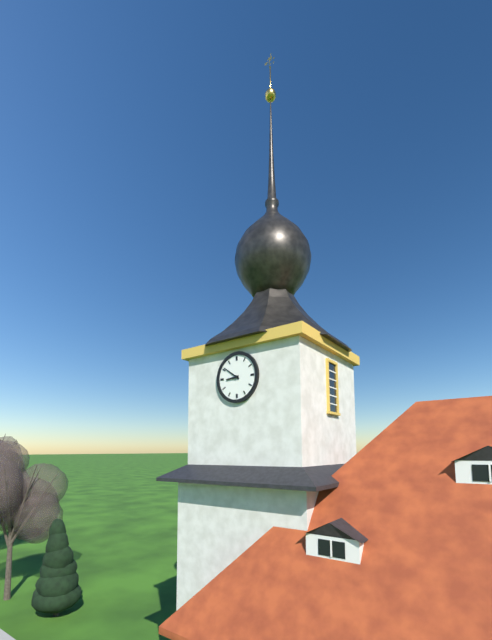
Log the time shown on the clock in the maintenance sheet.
8:51
